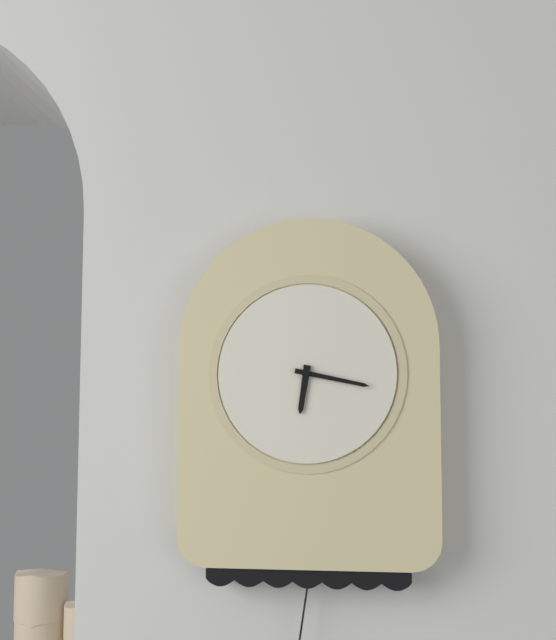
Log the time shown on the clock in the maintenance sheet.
6:17
